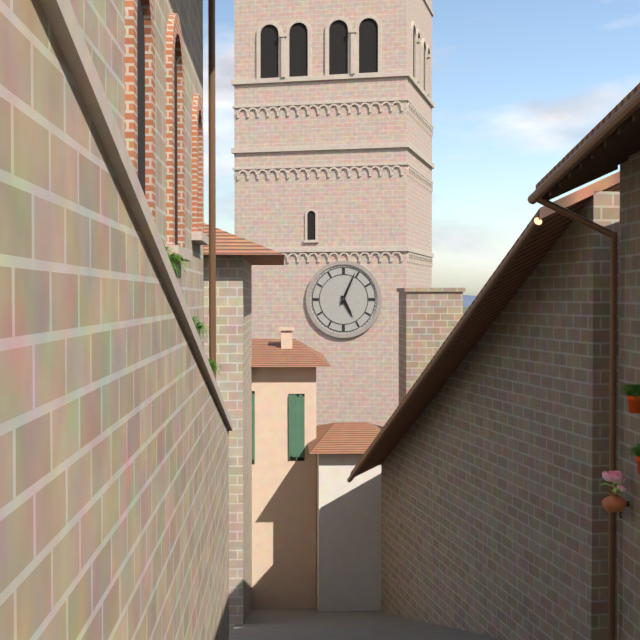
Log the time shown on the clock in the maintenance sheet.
5:04
